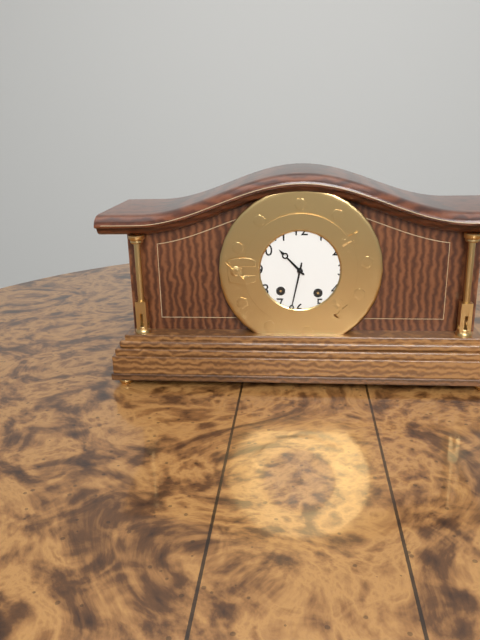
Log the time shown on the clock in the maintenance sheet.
10:32
